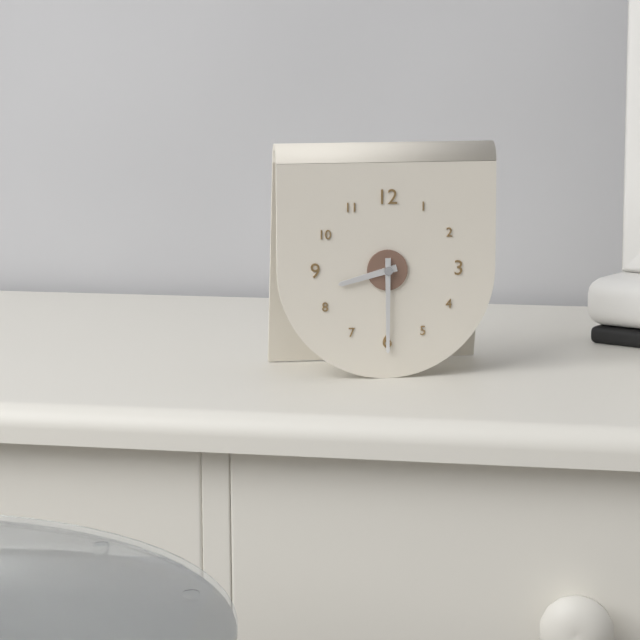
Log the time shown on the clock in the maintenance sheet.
8:30
